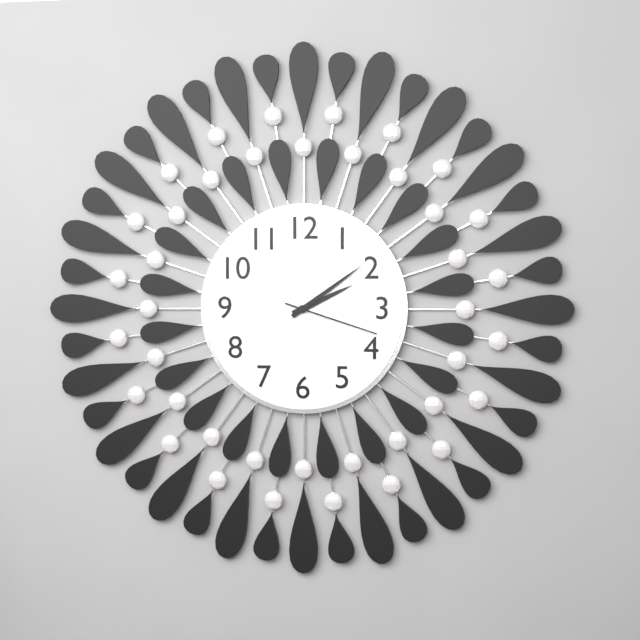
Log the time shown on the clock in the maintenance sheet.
2:09:18
